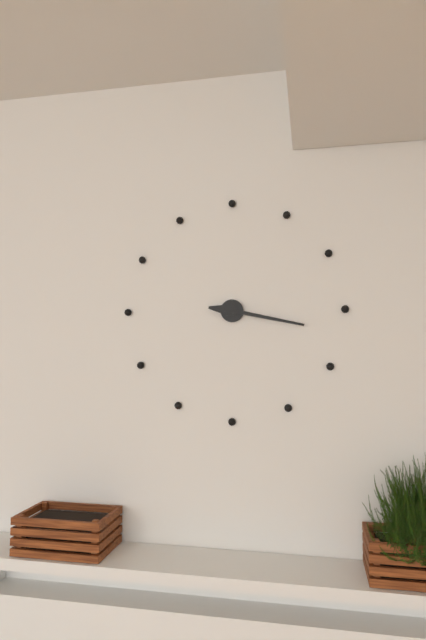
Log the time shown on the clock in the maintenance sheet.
9:17
